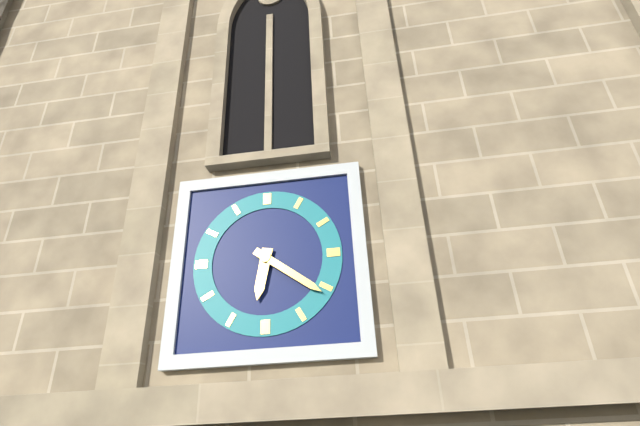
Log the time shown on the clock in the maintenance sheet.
6:21
